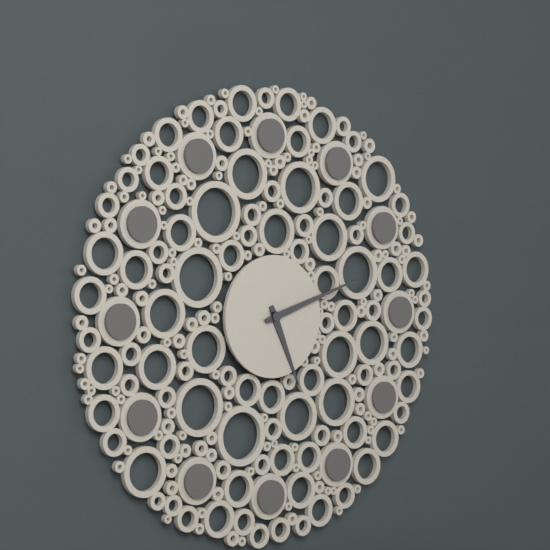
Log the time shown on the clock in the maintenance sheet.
5:12
